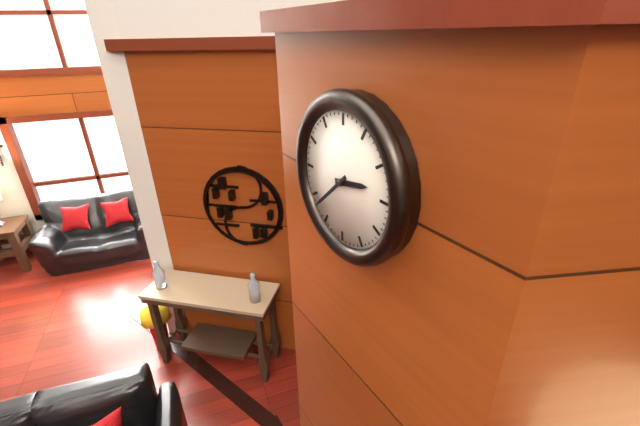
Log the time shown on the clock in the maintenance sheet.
2:38
